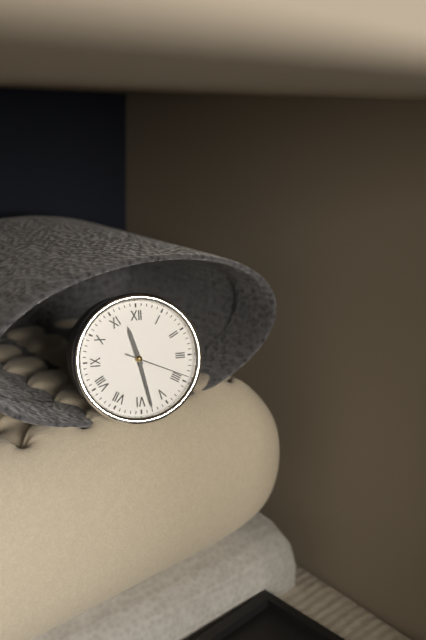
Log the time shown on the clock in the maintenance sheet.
11:28:19
